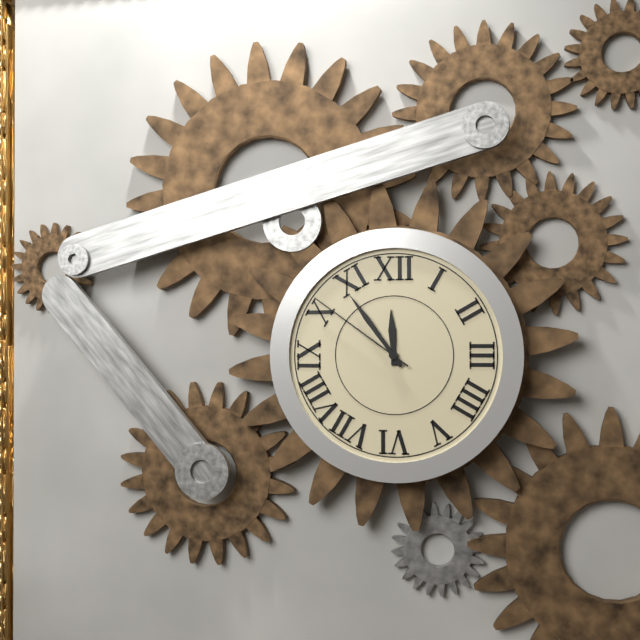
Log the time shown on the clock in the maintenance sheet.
11:54:51
